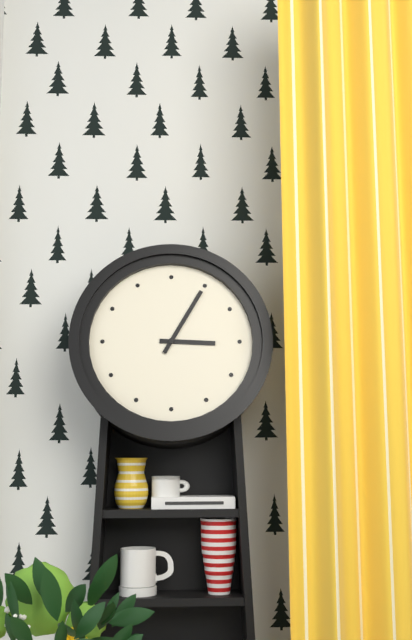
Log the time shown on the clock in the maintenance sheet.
3:05
